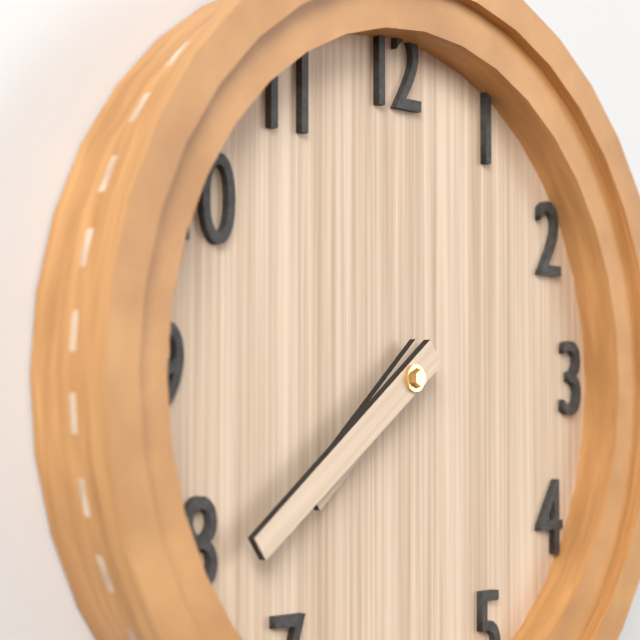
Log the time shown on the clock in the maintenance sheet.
7:39
